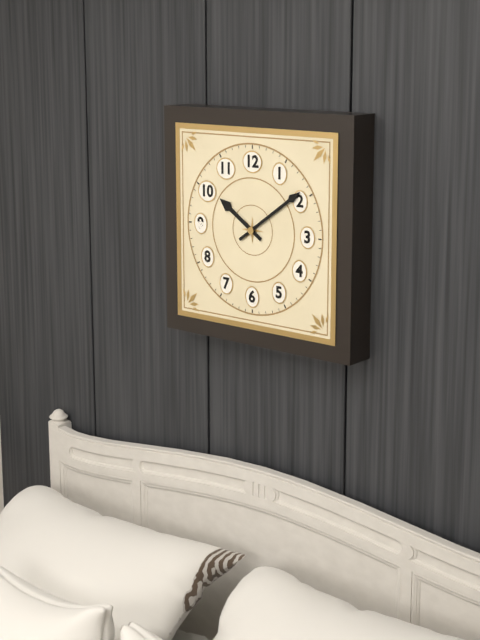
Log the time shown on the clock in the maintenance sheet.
10:09
